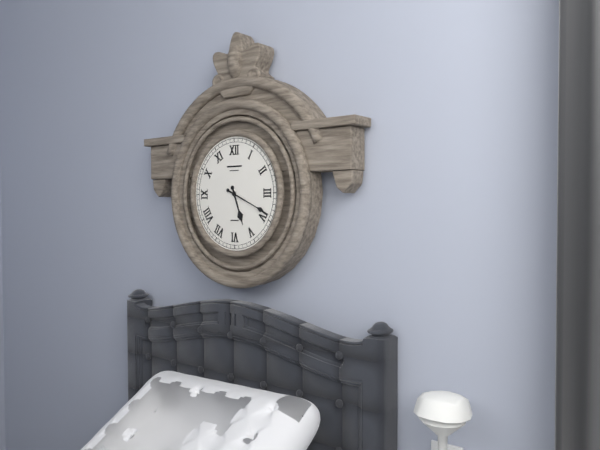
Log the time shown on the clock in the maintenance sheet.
5:19
